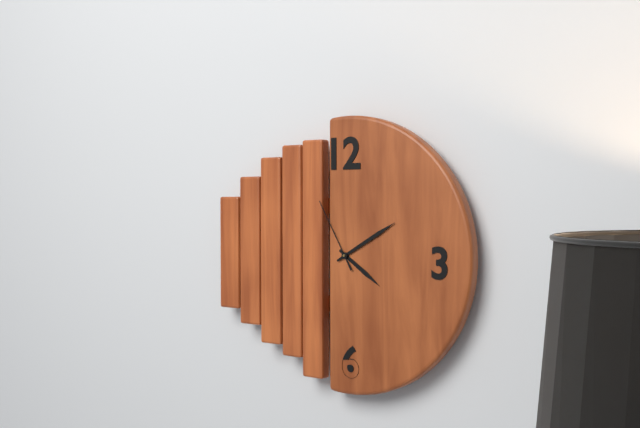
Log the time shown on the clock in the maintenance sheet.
4:10:55
